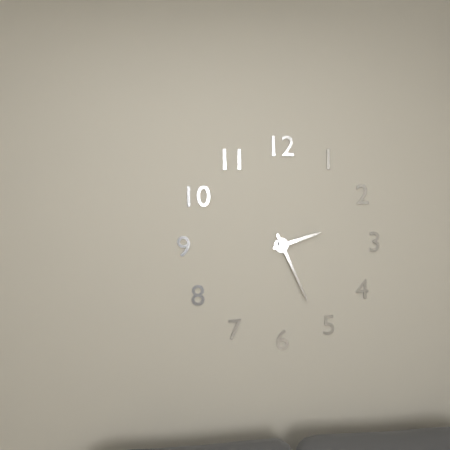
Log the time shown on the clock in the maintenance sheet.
2:26
